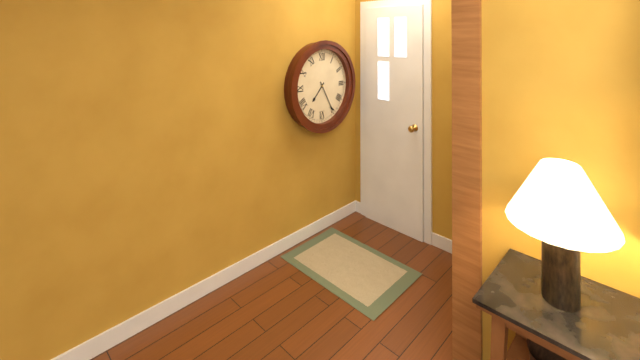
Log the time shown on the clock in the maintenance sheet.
7:25
